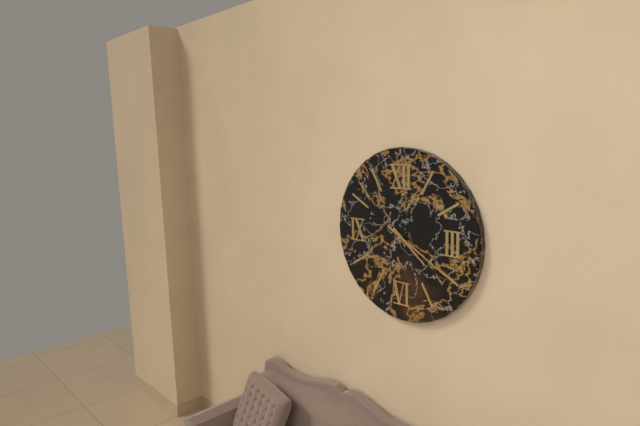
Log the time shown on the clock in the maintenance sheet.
4:20
